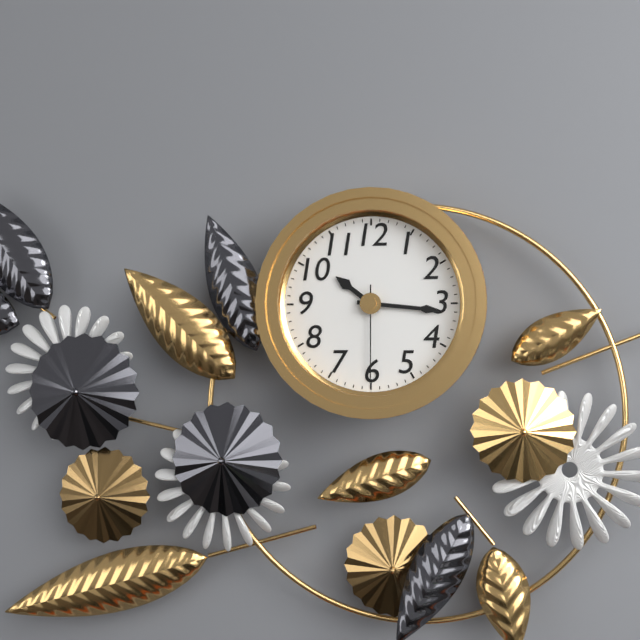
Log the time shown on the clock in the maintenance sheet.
10:16:30
